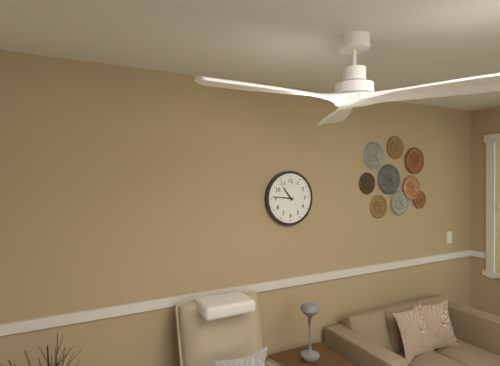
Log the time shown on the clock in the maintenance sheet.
10:46
